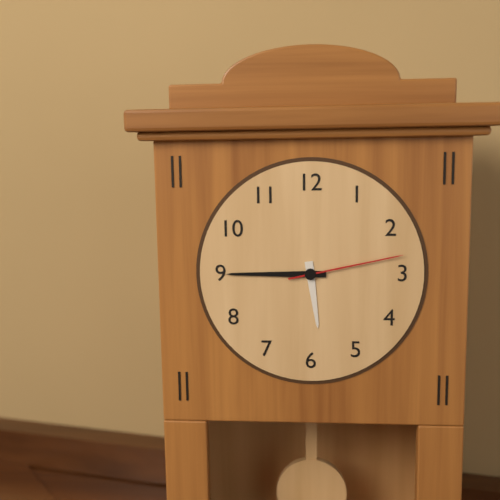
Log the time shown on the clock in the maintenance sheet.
5:45:13
